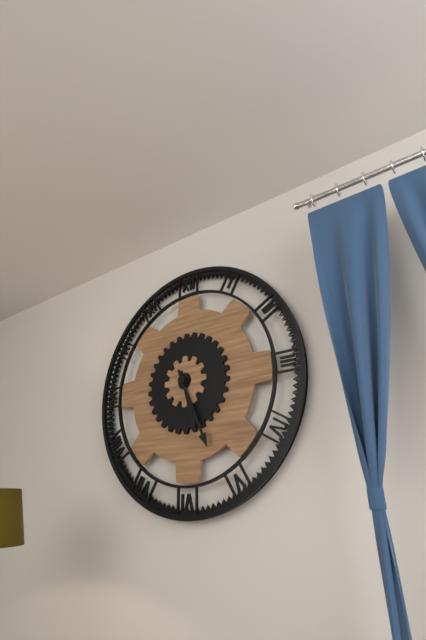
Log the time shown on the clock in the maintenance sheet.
5:26
